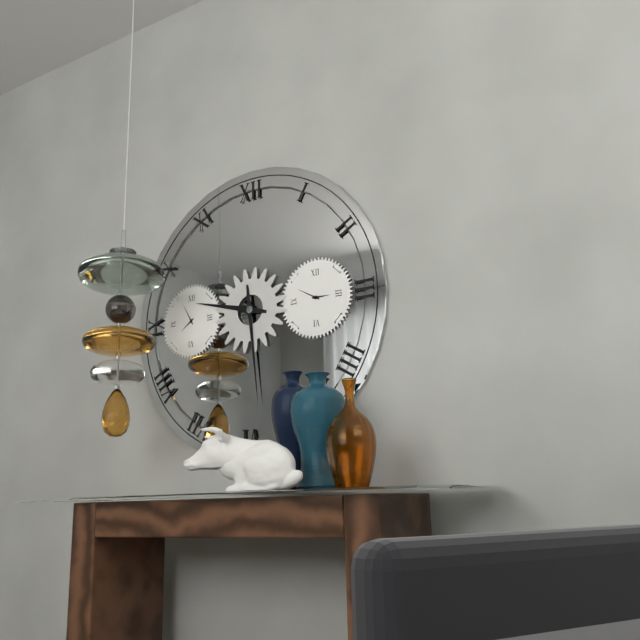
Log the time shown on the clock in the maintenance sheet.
9:29
